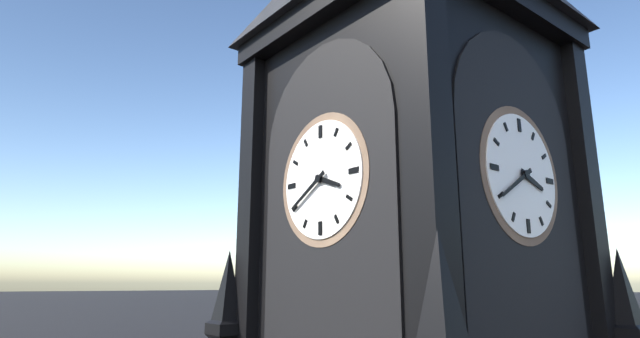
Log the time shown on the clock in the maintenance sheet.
3:40
